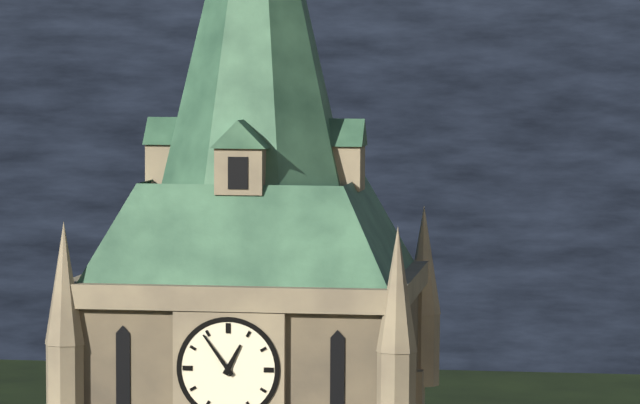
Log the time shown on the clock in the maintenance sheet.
12:54
